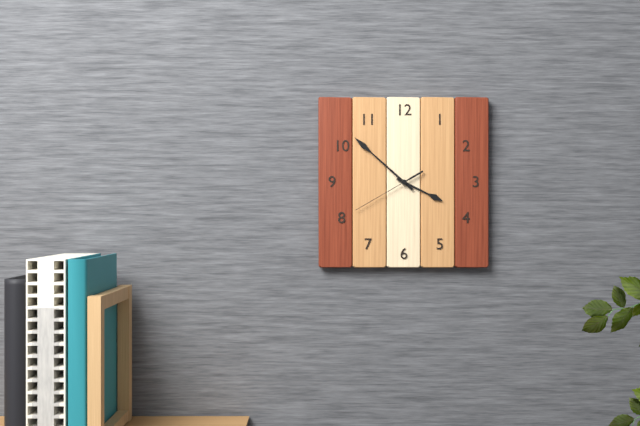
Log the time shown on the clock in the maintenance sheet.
3:52:40
